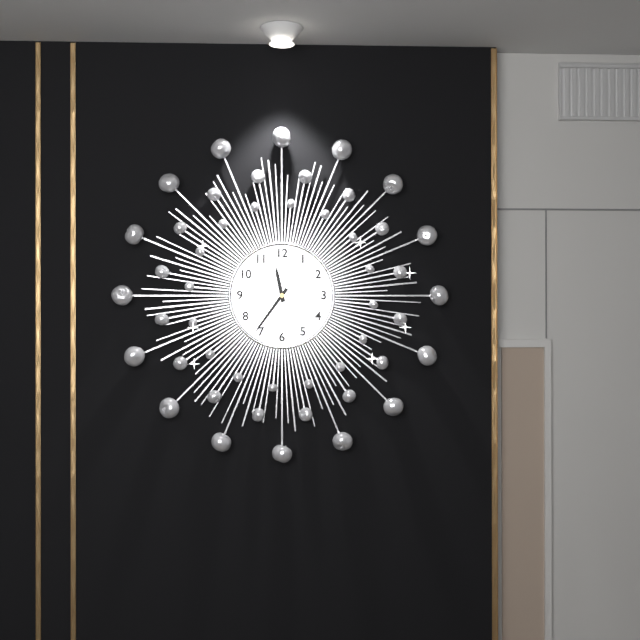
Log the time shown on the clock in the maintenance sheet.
11:36
